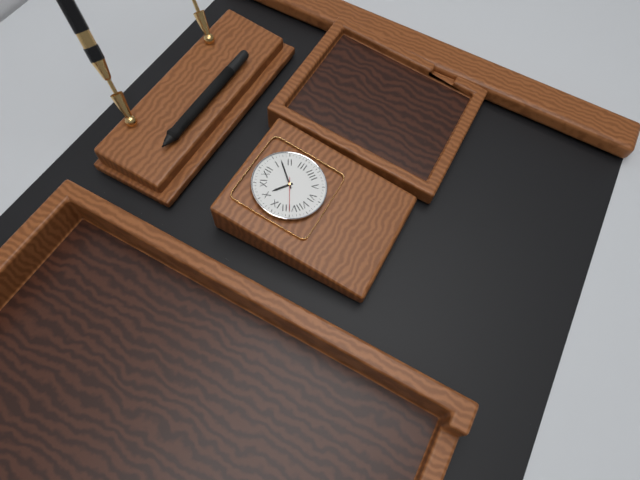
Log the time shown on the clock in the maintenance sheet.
10:07
